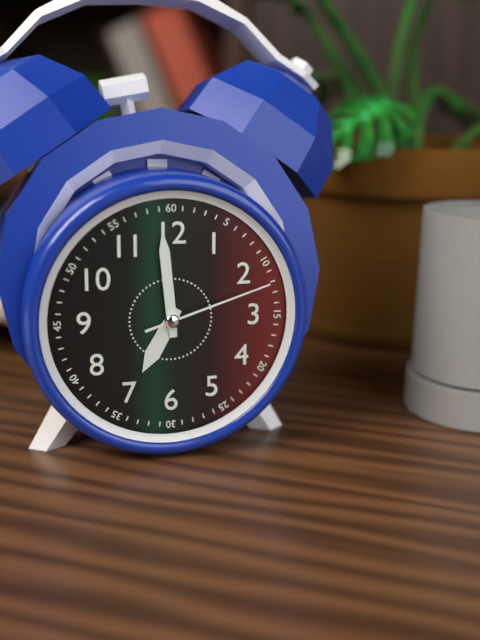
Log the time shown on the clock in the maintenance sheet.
6:59:12
